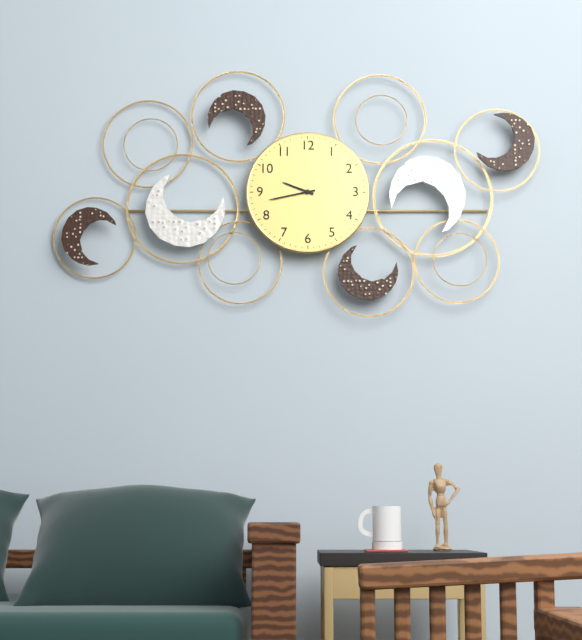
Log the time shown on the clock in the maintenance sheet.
9:43
